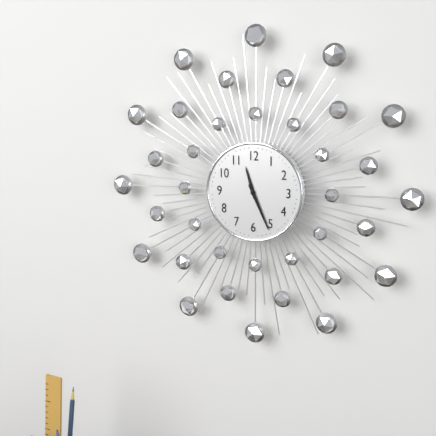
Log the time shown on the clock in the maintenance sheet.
11:26
